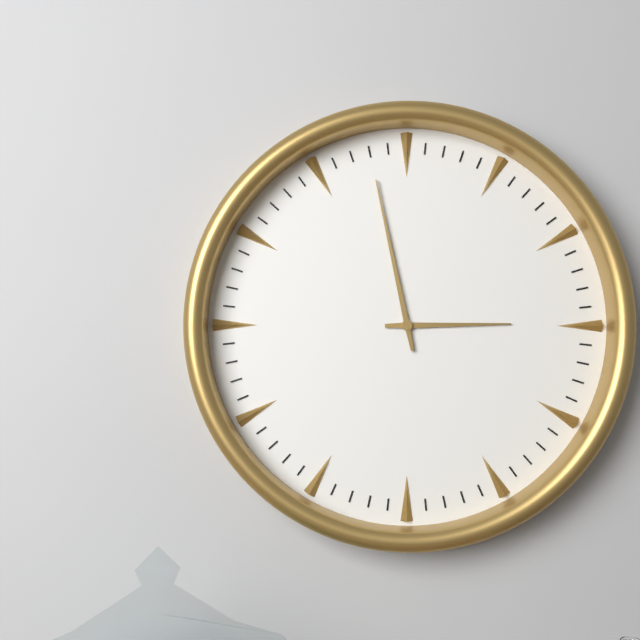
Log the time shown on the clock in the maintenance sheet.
2:58
